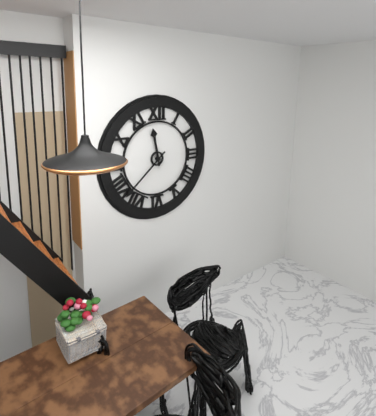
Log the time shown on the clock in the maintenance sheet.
11:38
